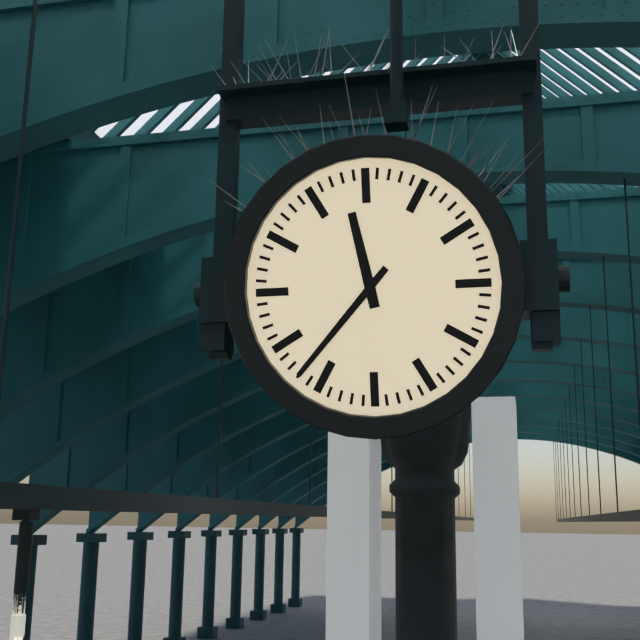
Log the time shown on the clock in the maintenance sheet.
11:37
